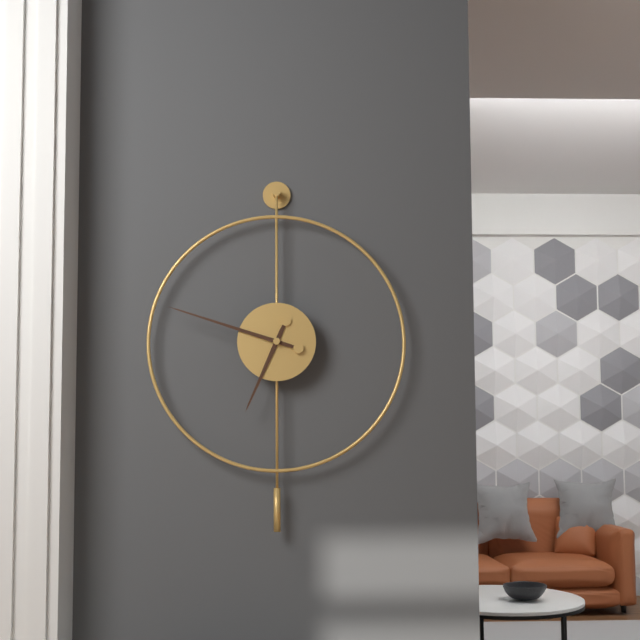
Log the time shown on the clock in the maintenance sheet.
6:48
